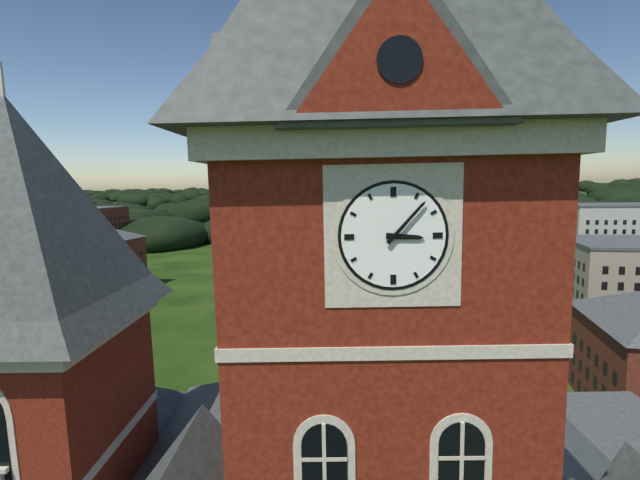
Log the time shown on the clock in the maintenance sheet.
3:07
